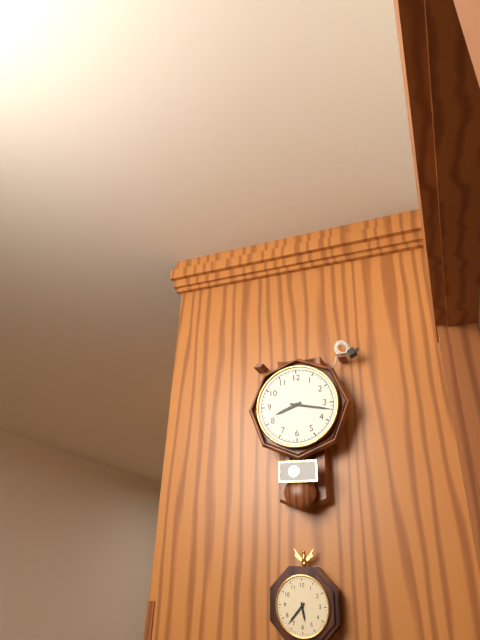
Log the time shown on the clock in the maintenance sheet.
8:17
